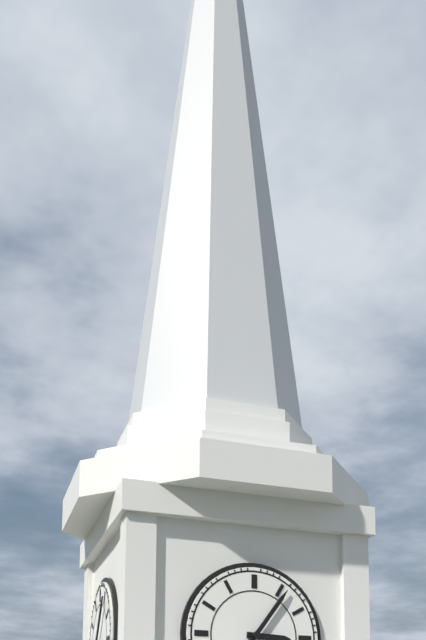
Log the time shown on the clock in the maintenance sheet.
3:06
